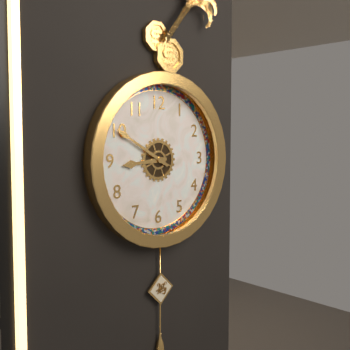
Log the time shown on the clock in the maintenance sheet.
8:50
